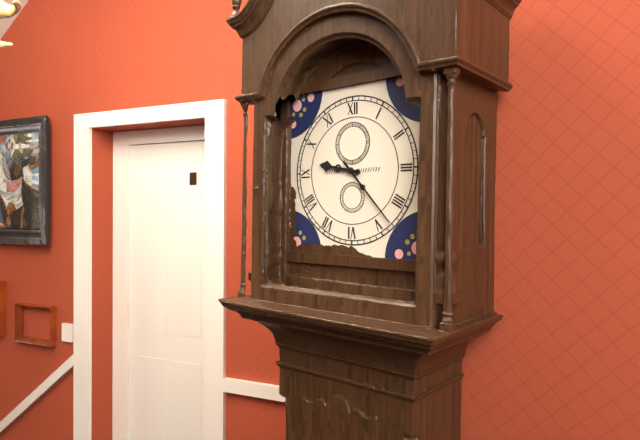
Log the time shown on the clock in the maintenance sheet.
9:23
